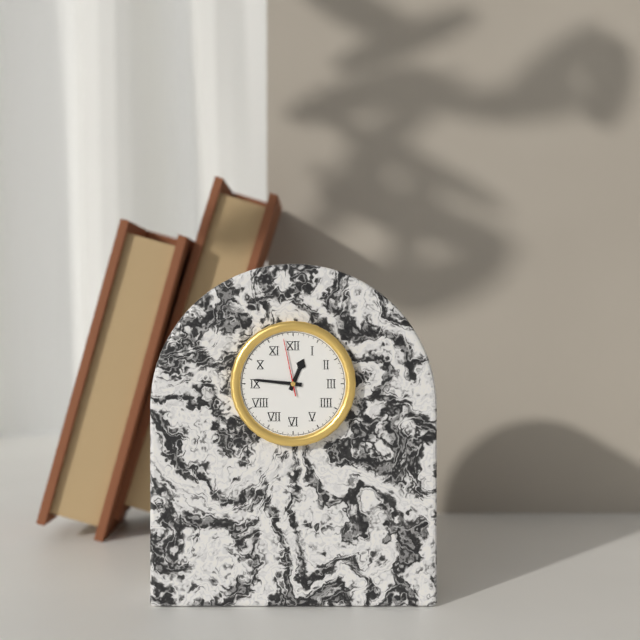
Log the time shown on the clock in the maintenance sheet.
12:46:58
